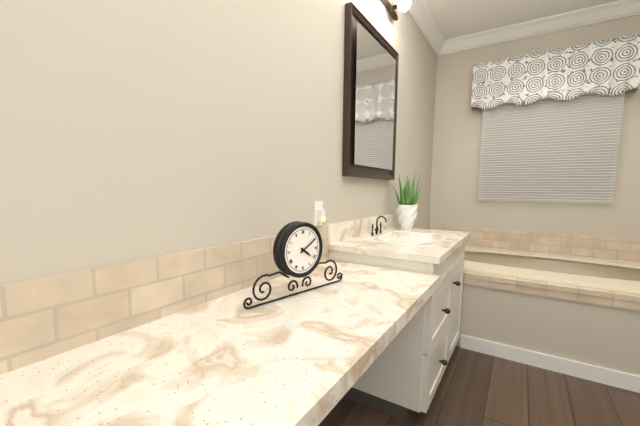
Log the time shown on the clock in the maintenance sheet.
4:10
